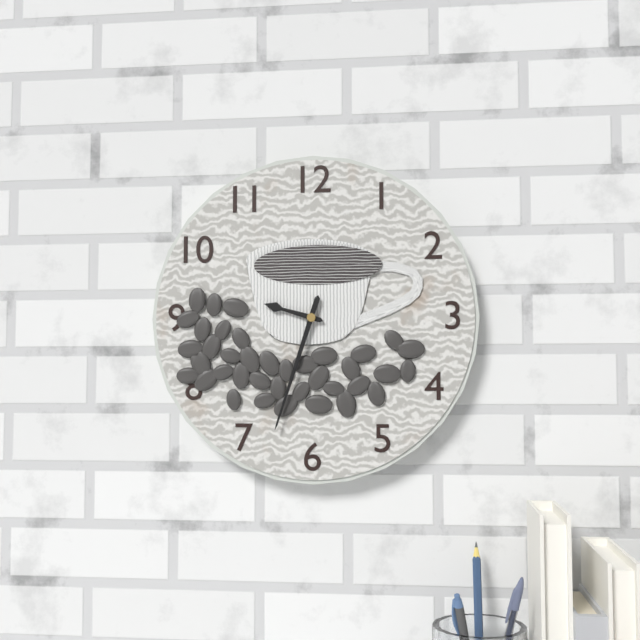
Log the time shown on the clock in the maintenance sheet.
9:33
